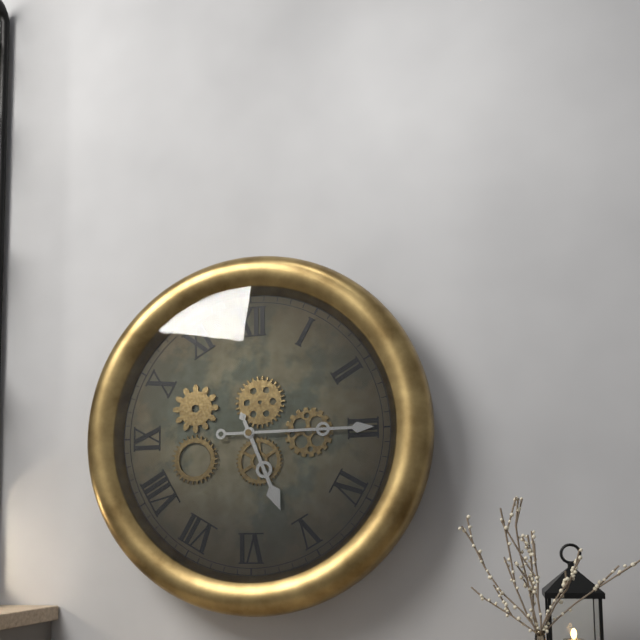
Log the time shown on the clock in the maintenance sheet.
5:15
